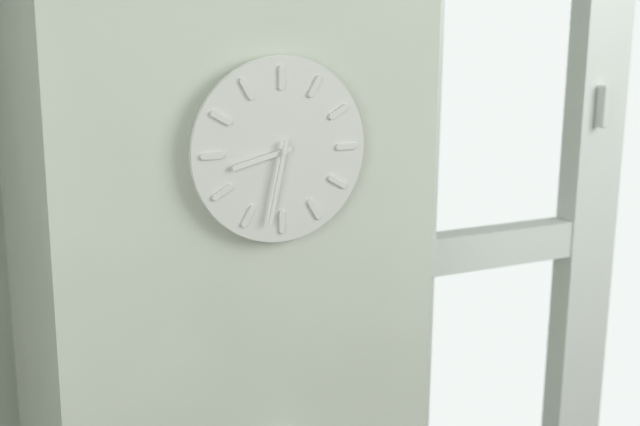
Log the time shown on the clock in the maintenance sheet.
8:32
